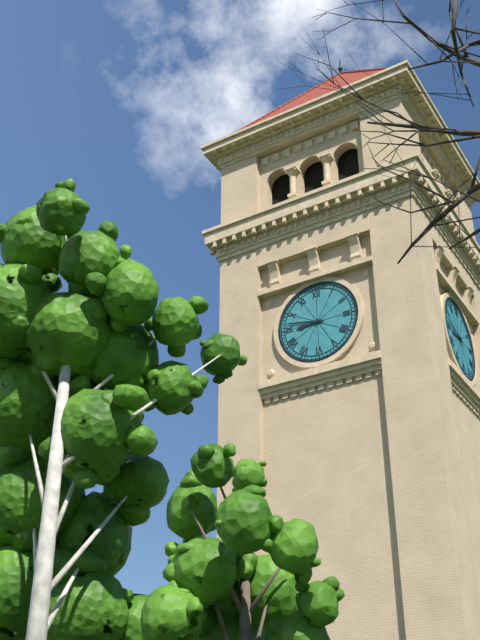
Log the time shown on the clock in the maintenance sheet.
8:47
